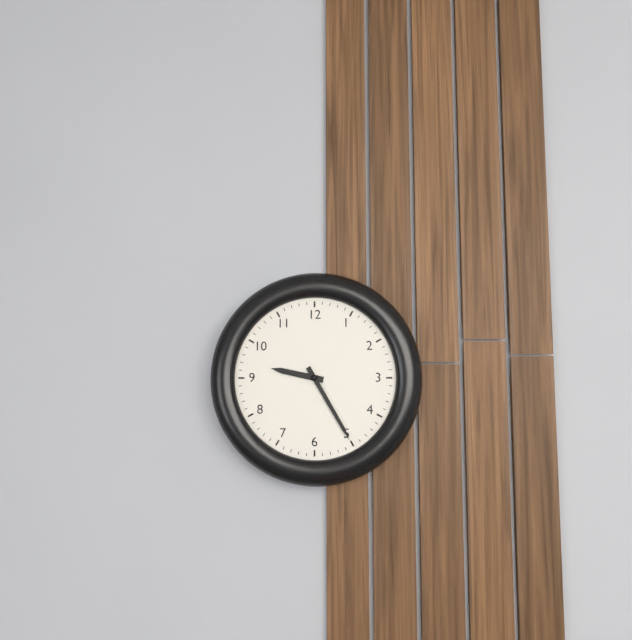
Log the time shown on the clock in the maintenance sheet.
9:25
